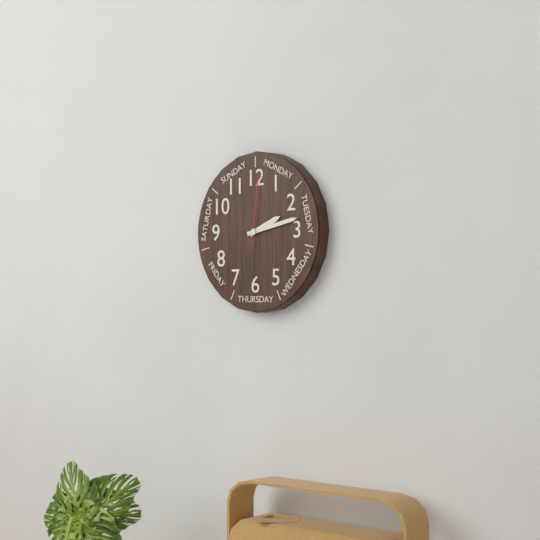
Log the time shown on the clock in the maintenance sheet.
2:13:01
